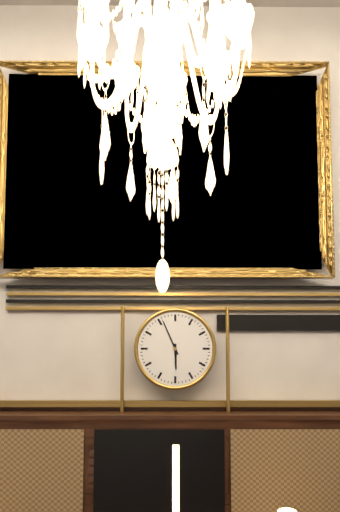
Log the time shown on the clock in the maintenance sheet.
5:56
